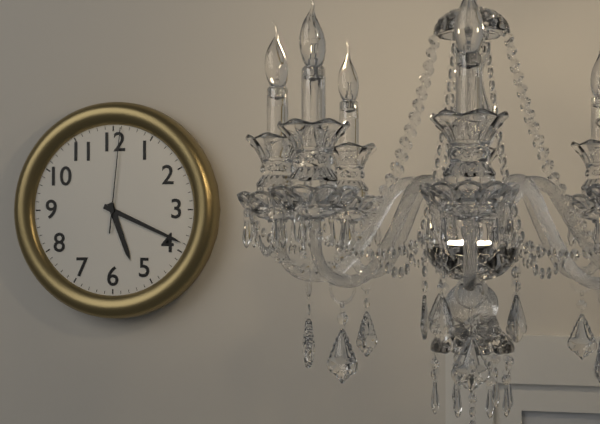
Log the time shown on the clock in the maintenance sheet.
5:19:01
